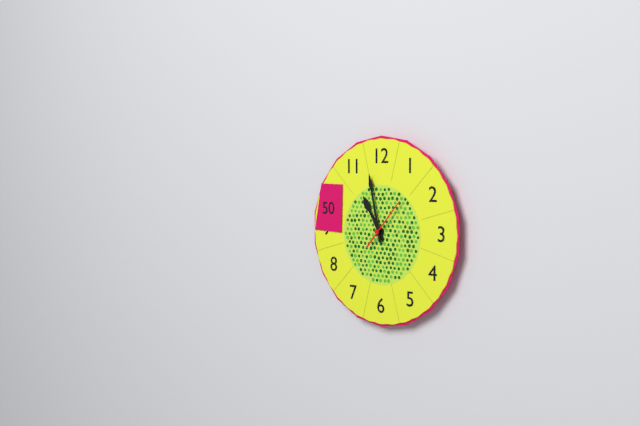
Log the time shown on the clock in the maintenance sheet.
10:58
